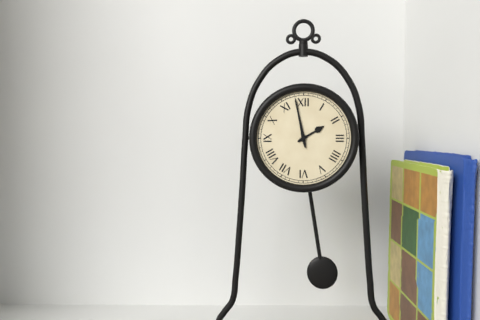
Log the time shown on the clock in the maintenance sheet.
1:58
